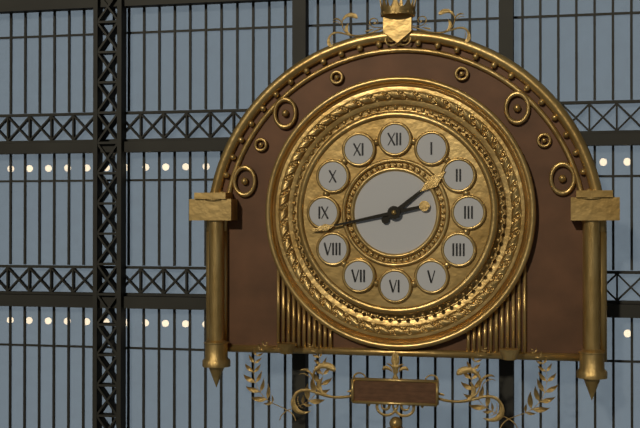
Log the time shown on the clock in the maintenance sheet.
1:43
